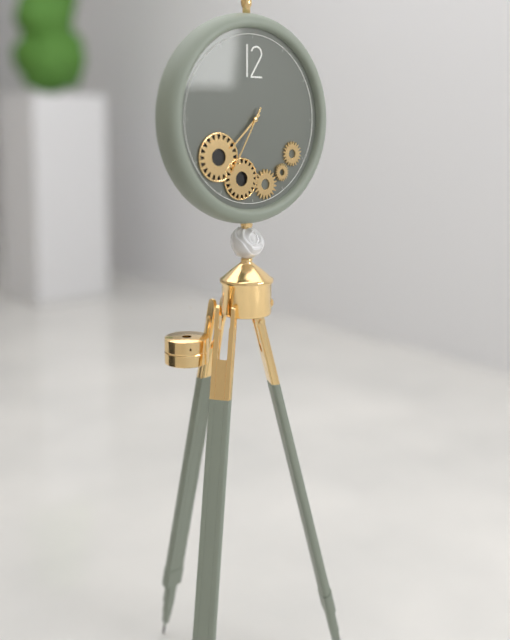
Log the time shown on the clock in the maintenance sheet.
7:35
